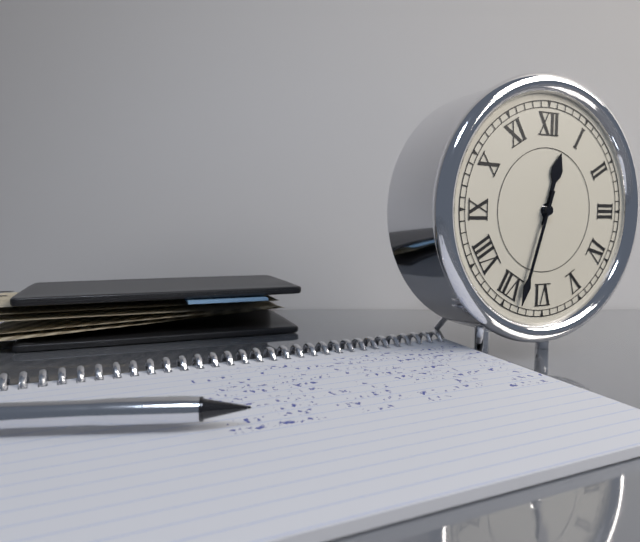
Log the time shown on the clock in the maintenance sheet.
12:33
